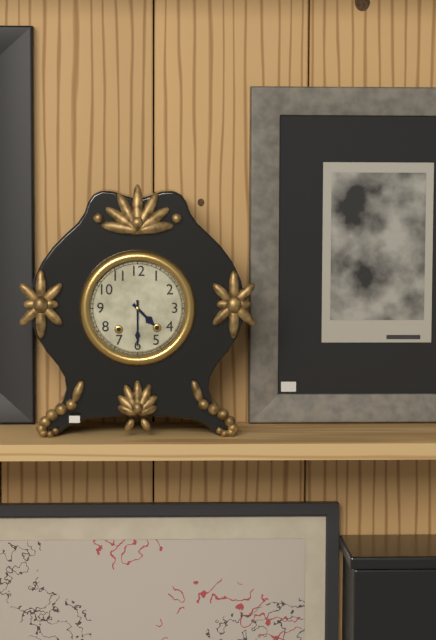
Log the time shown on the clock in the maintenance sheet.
4:30
